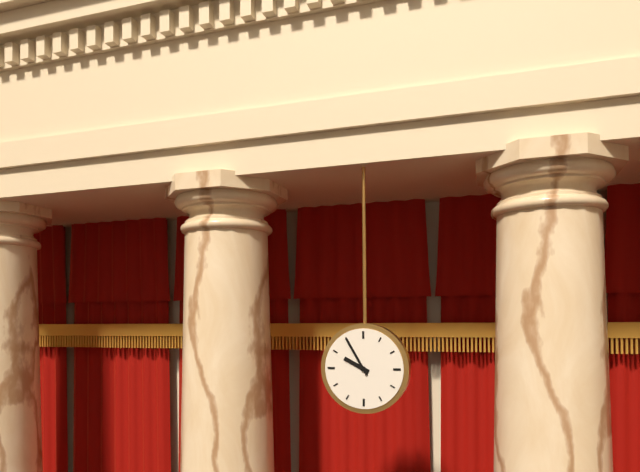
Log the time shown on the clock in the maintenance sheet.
9:55
